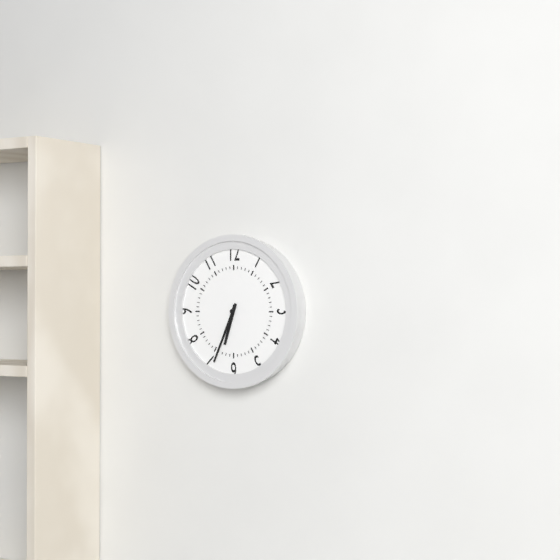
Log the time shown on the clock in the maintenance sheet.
6:34
